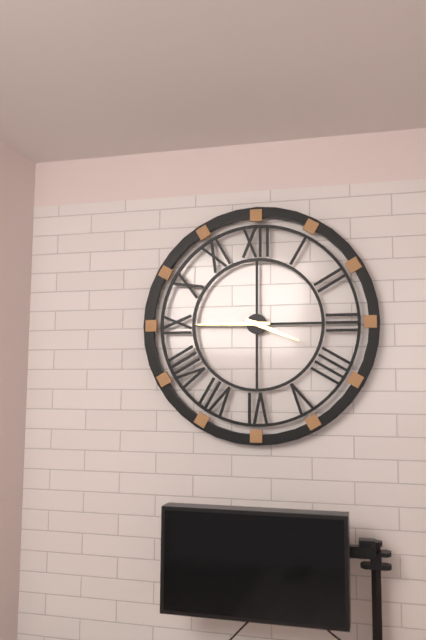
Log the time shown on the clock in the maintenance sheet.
3:45
